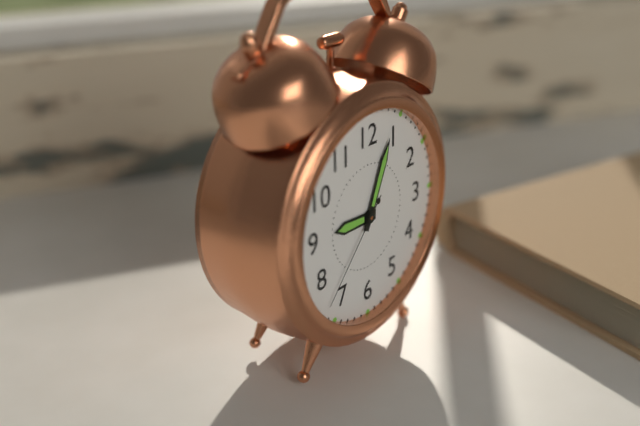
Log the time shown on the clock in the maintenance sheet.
9:04:37
